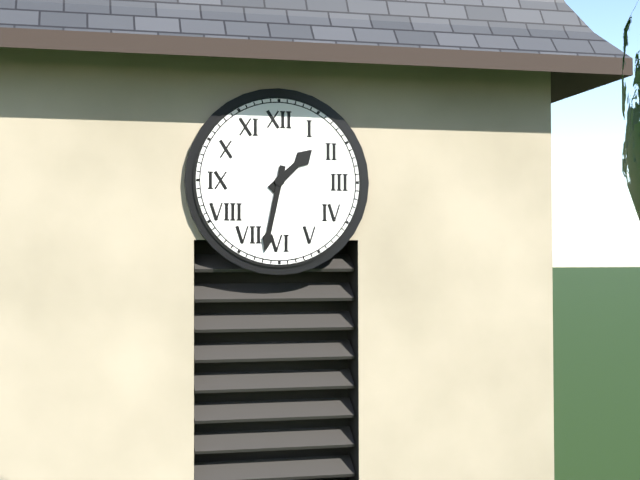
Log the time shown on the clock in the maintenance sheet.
1:32
